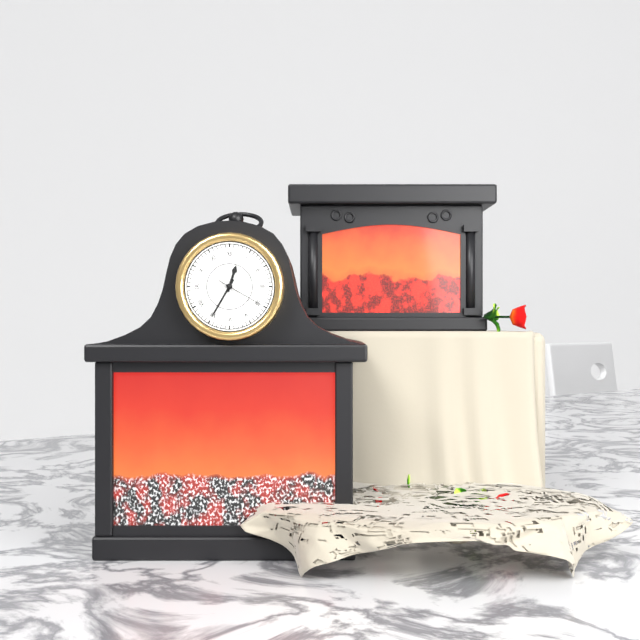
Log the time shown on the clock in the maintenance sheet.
12:35
